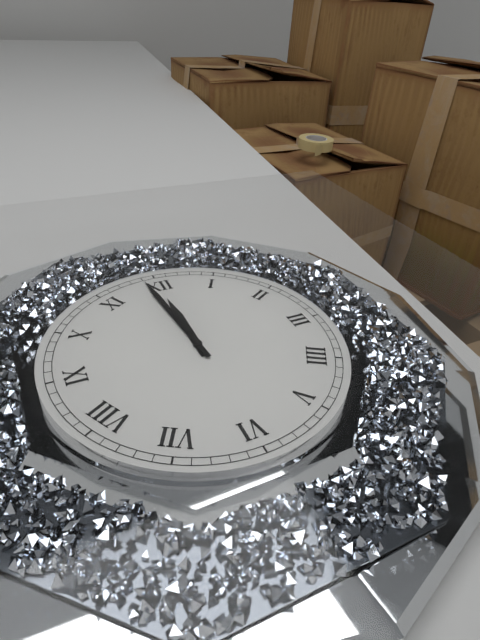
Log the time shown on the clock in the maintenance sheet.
11:59
